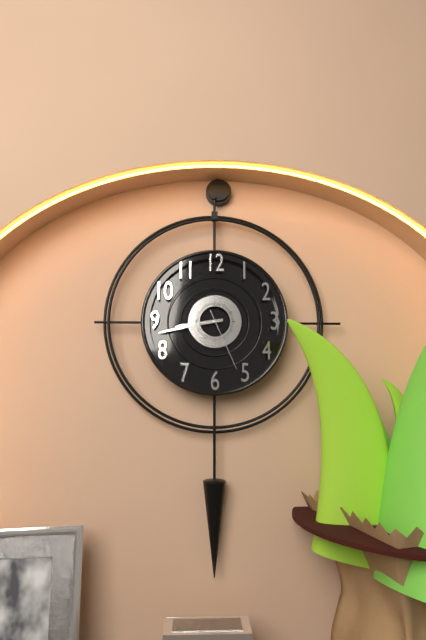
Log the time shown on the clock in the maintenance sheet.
8:43:26
